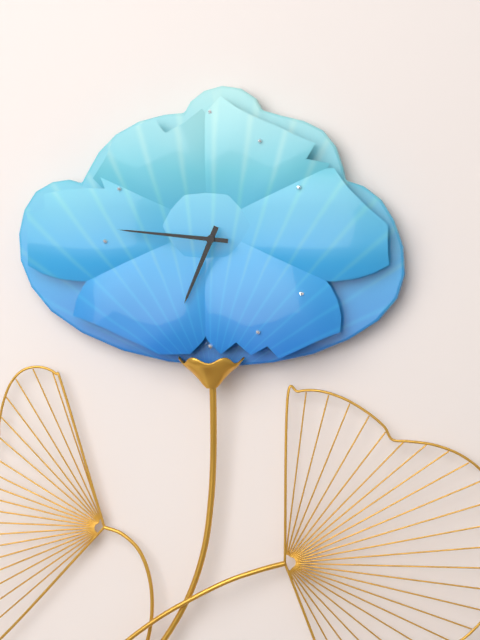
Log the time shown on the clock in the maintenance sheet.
6:46
